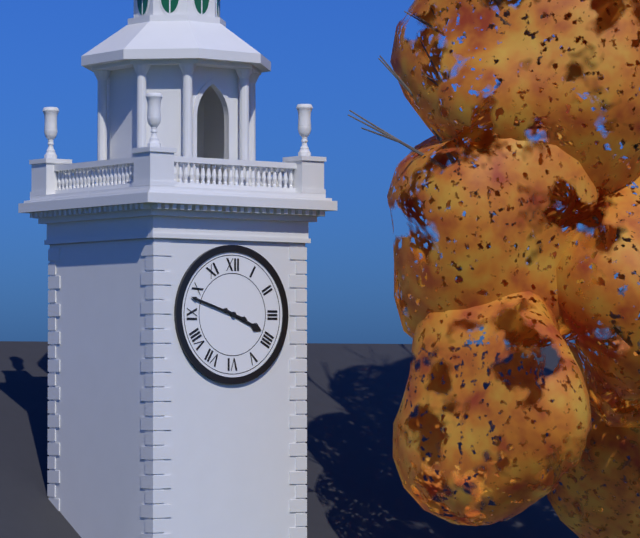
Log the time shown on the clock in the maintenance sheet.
3:48
